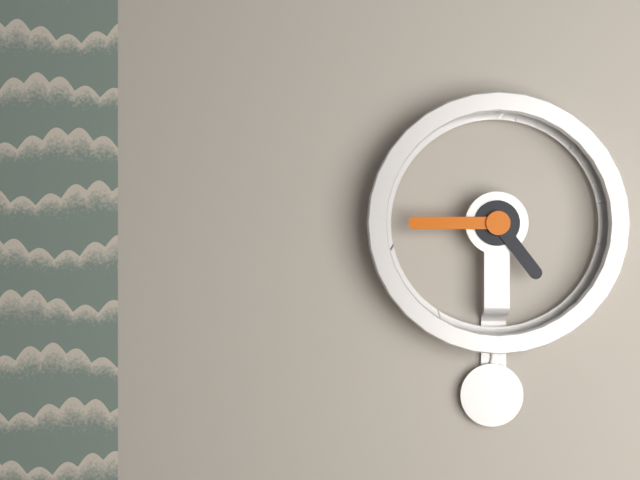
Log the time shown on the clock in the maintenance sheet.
4:45
